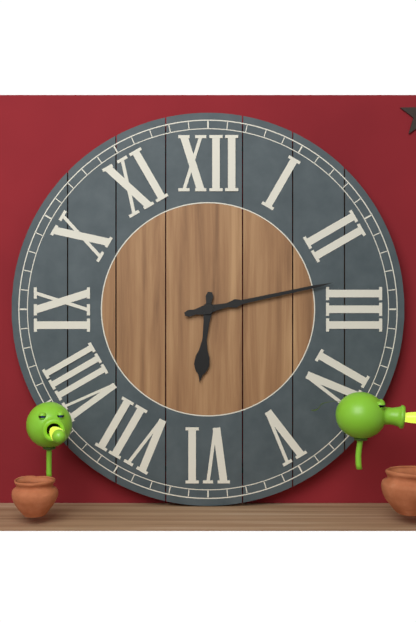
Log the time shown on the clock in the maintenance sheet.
6:13
